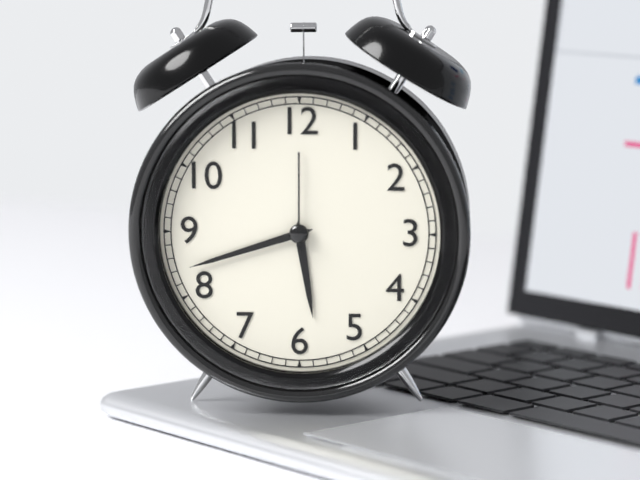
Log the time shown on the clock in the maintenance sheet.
5:42:00
